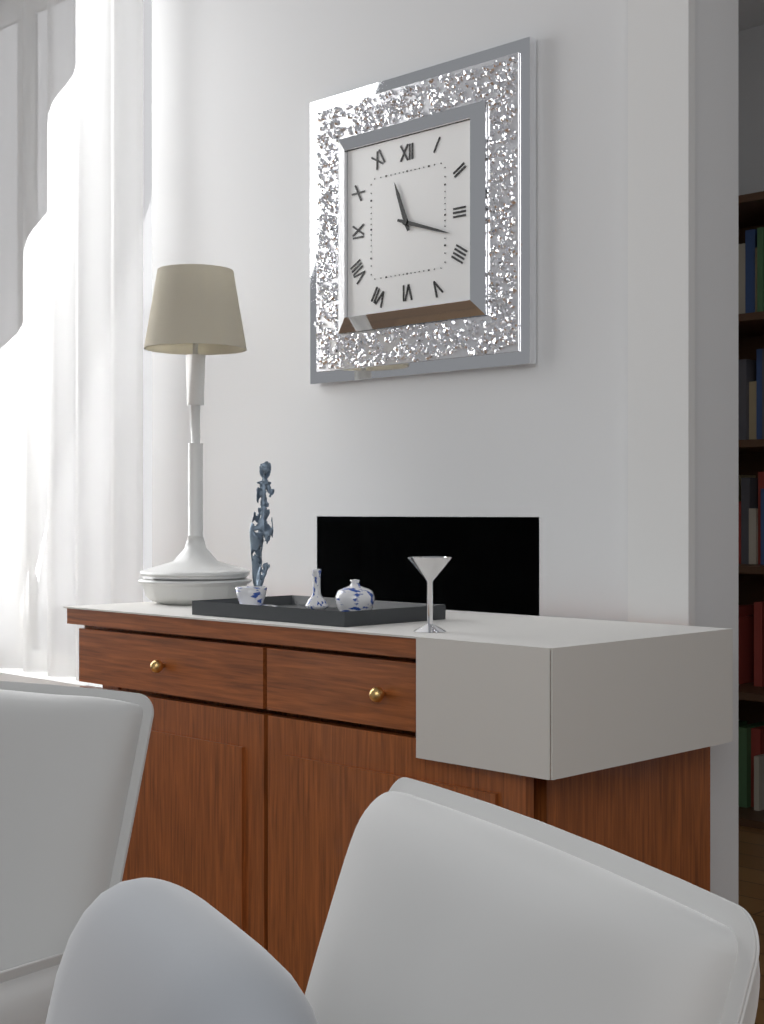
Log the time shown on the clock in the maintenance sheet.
11:18
